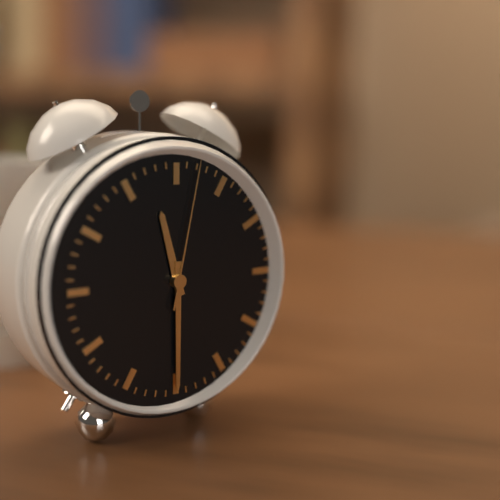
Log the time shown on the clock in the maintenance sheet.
11:30:02
